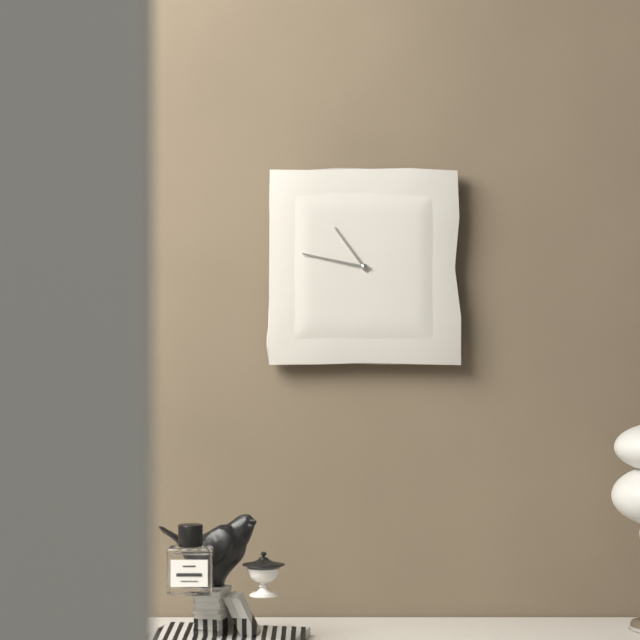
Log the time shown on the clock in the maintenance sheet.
10:47
